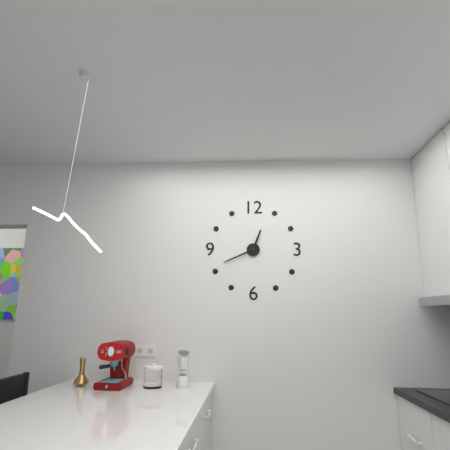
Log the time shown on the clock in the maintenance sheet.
12:41
